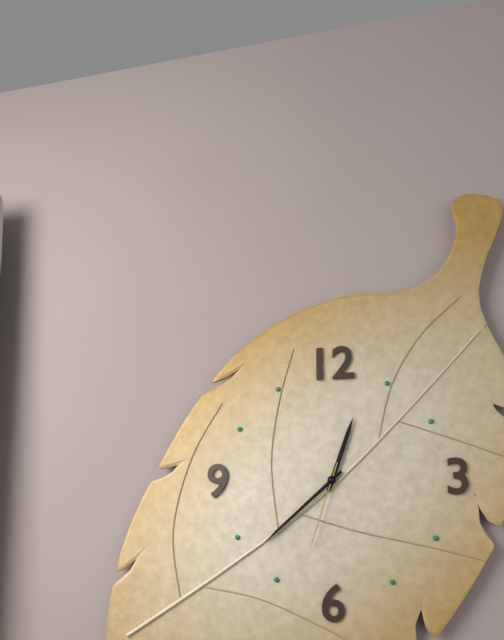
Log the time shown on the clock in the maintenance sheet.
12:38:33
